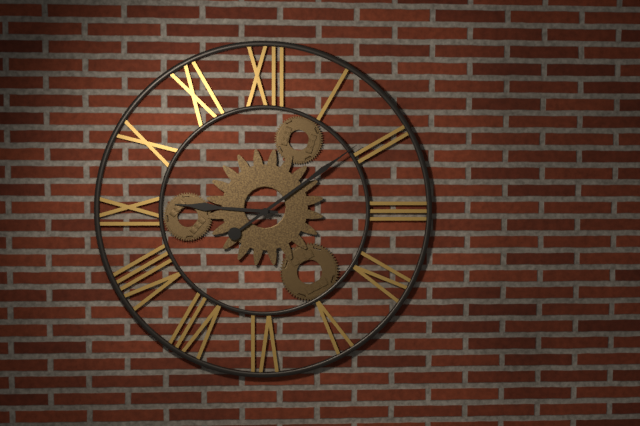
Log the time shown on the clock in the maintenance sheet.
9:09
